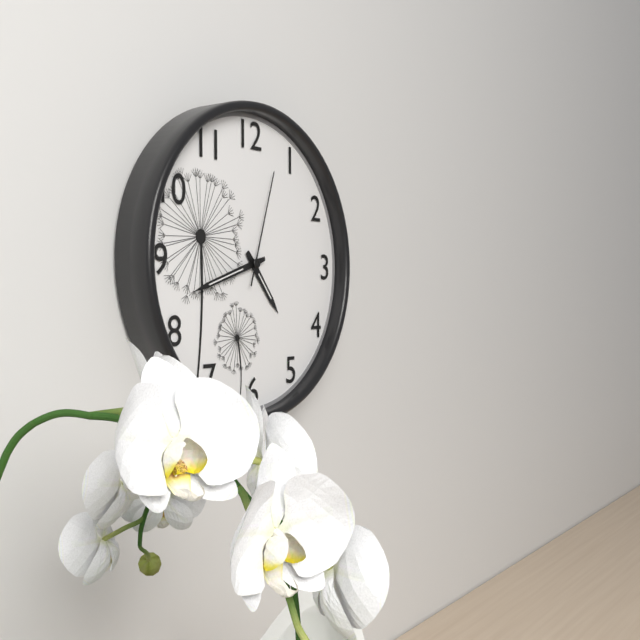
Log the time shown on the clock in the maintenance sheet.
4:42:03
